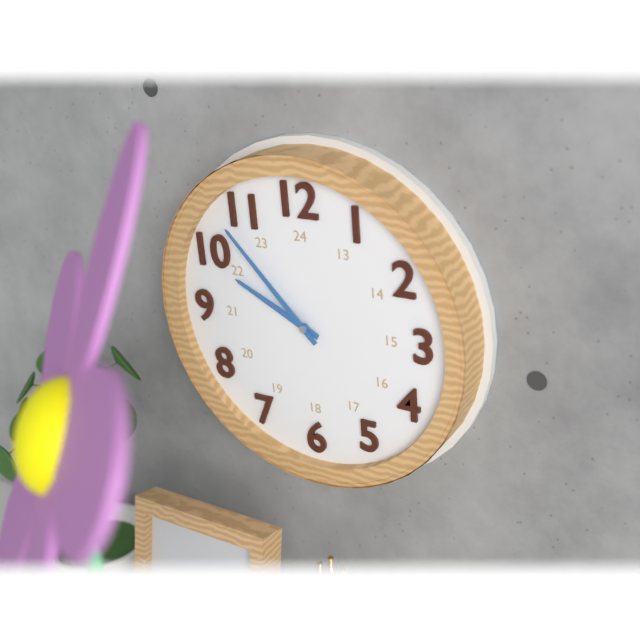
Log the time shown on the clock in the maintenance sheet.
9:53
